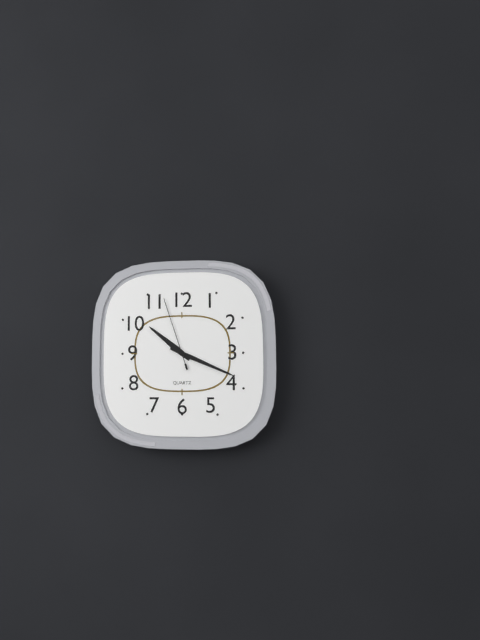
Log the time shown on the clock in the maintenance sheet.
10:19:57
